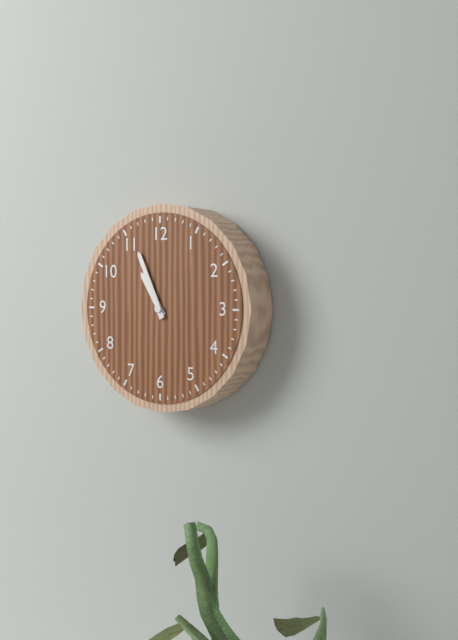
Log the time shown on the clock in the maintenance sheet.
10:56
